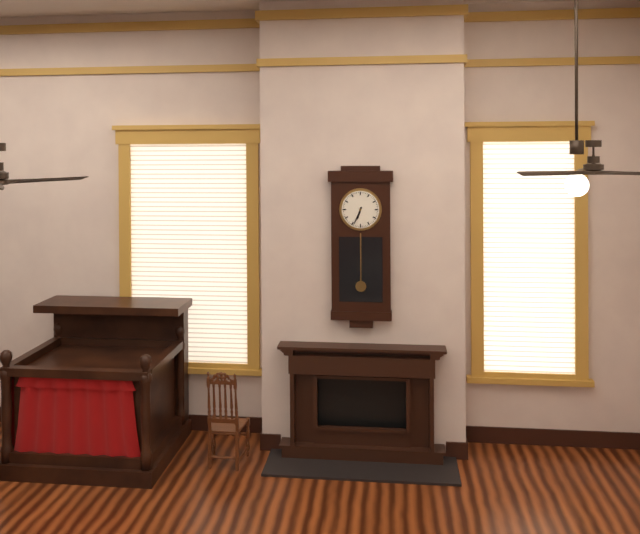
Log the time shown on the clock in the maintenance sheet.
6:34
